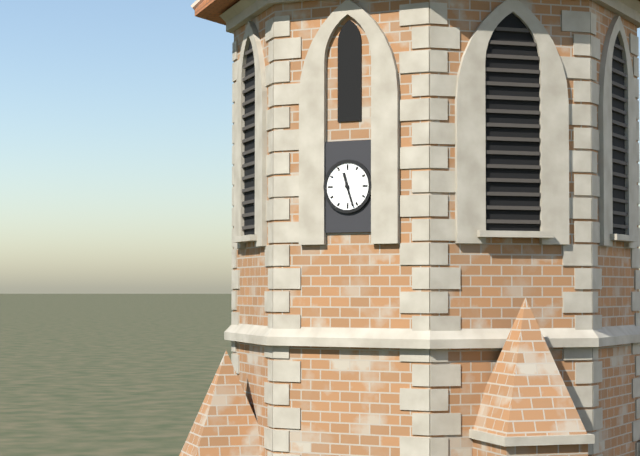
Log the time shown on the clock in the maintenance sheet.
11:27
